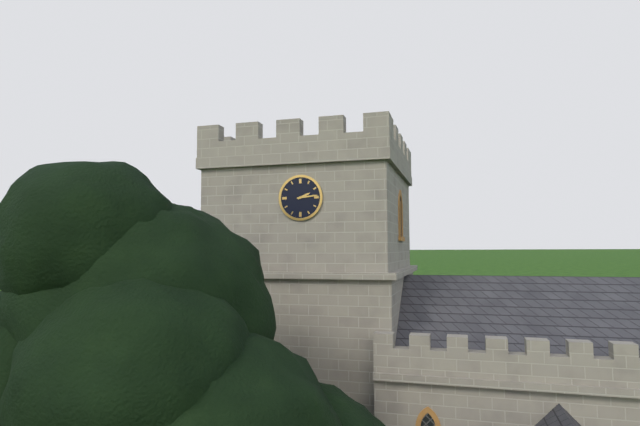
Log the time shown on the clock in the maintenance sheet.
2:14
